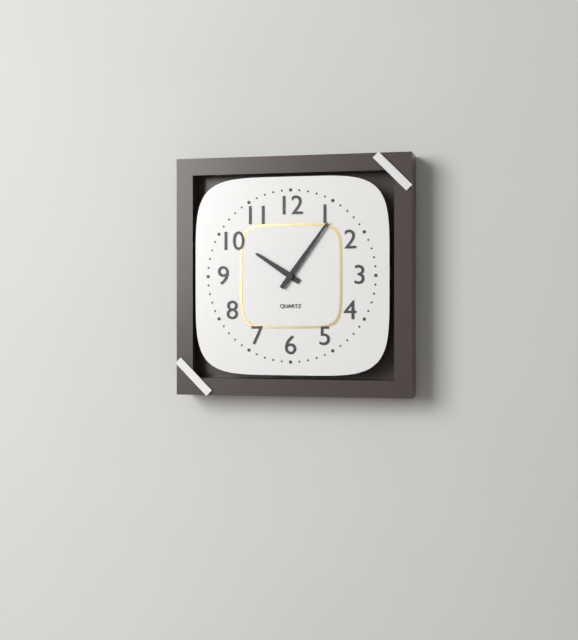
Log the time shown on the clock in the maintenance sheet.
10:06
